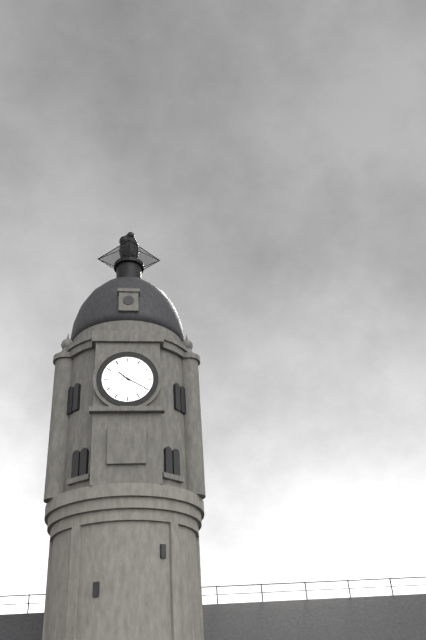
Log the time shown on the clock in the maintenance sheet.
10:20
